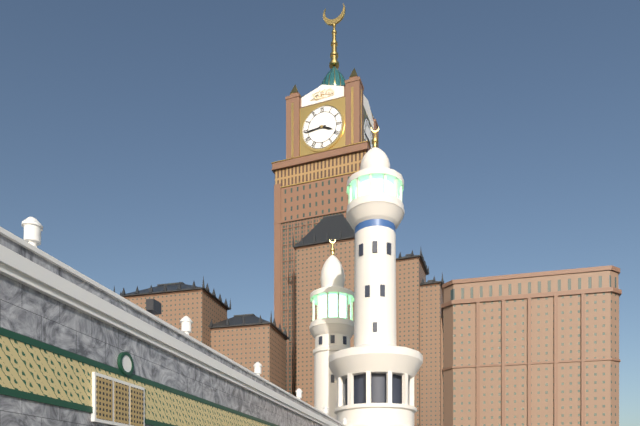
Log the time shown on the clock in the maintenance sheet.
3:44
